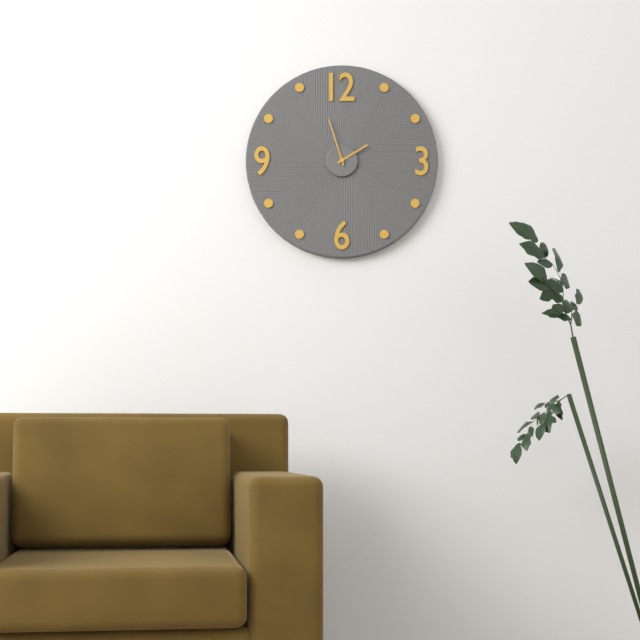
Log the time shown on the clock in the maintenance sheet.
1:57
